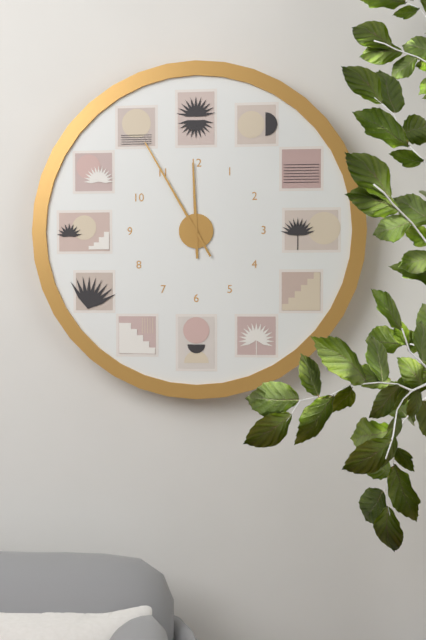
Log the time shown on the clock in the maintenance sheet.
11:55
